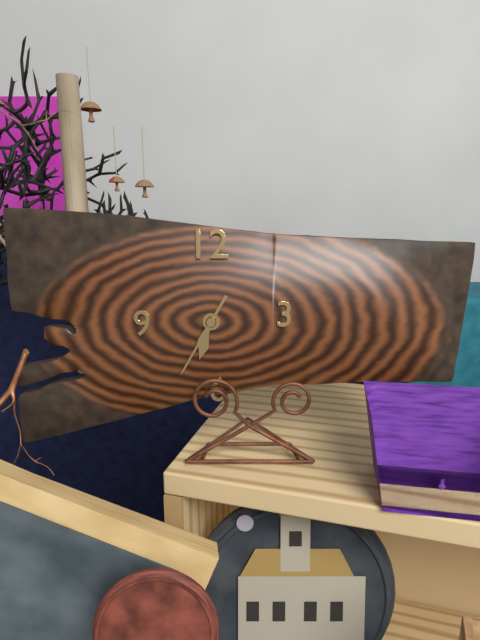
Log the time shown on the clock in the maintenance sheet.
6:35
